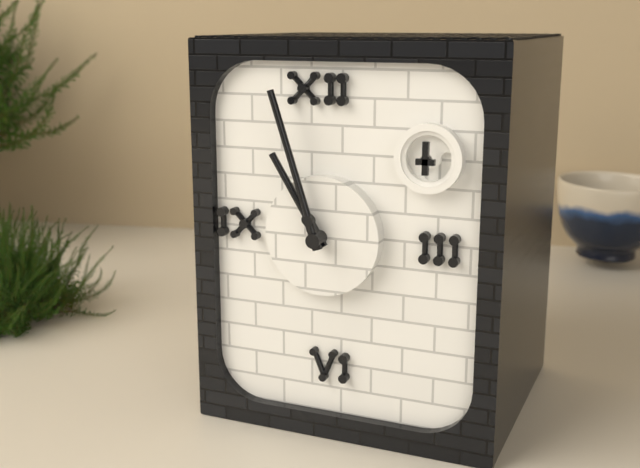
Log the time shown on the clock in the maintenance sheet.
10:57
